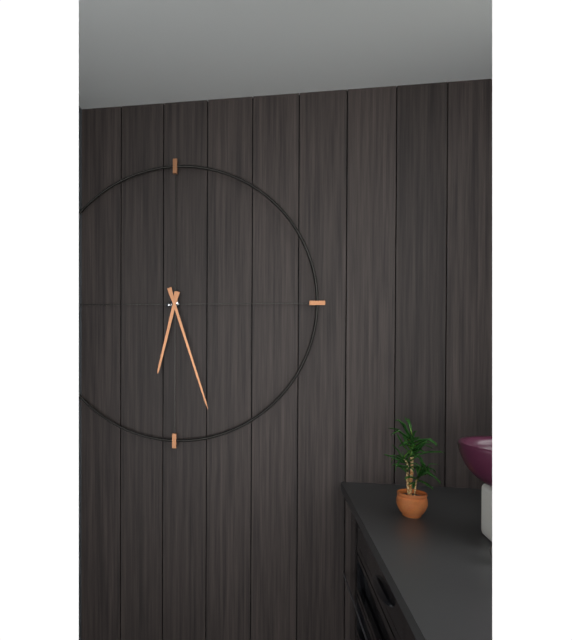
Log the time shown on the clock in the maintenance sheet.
6:27
